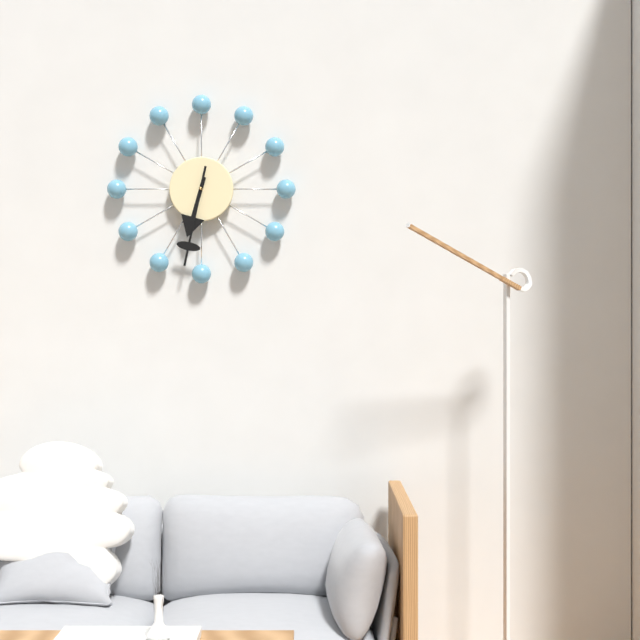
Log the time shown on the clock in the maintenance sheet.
6:32
